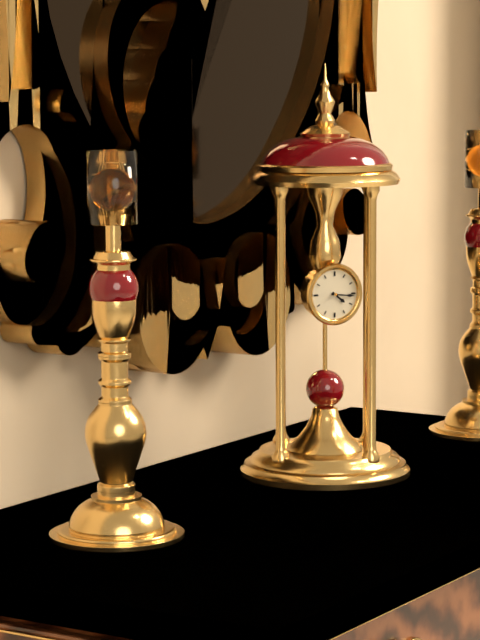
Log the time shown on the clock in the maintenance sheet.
4:16
